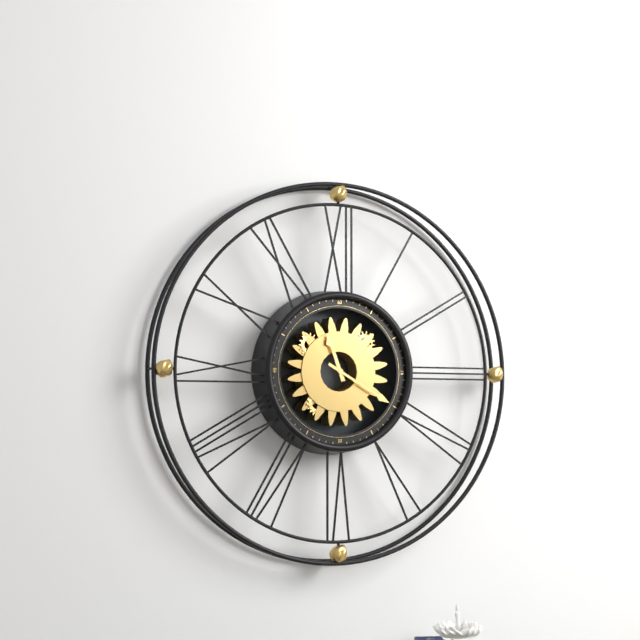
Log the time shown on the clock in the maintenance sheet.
11:20
